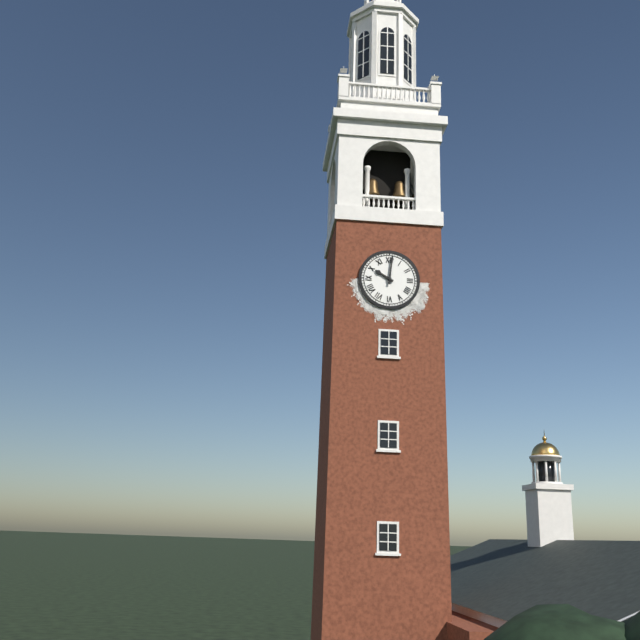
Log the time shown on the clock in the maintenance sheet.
10:01
